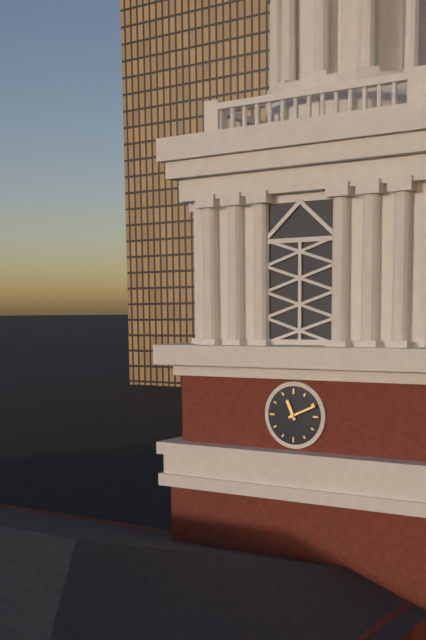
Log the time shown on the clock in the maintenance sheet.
11:11
